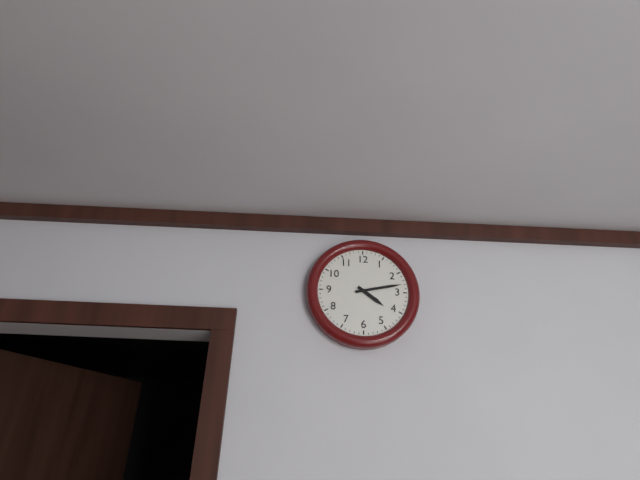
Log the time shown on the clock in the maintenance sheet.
4:13
